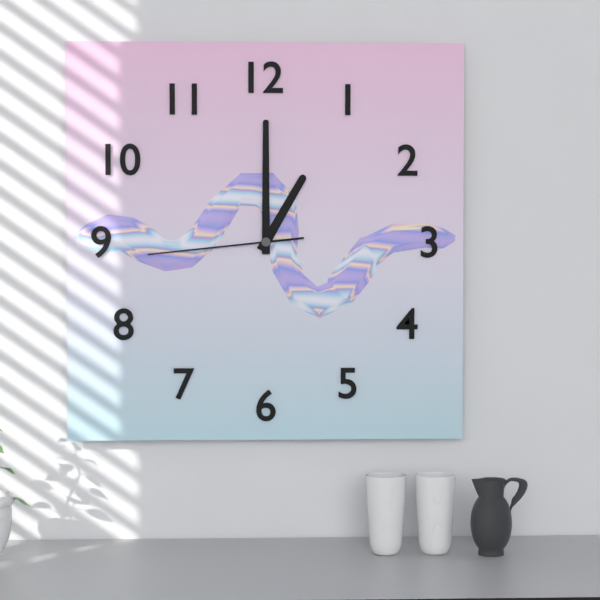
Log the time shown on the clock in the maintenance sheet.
1:00:44
